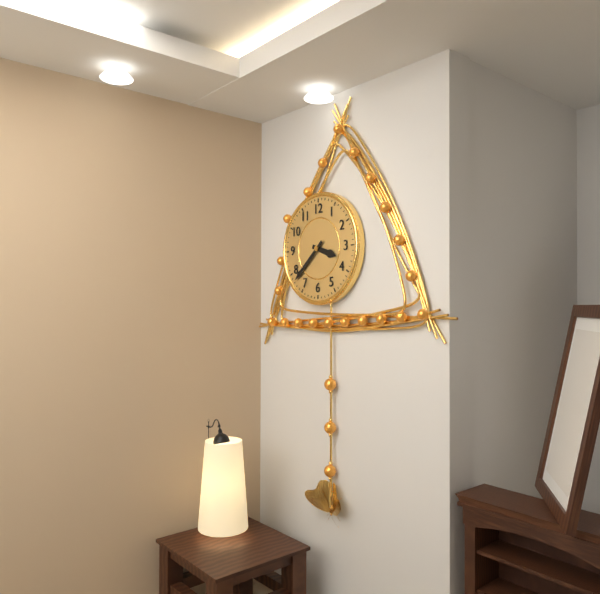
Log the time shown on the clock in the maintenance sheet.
3:38
